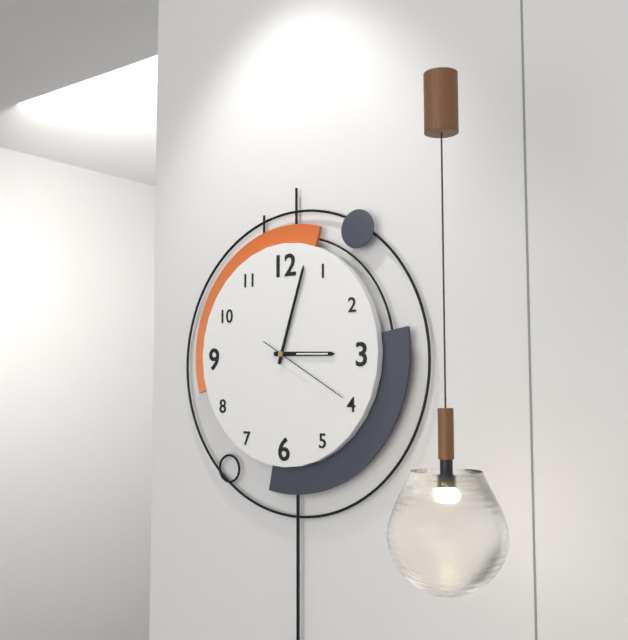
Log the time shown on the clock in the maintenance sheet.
3:03:20
